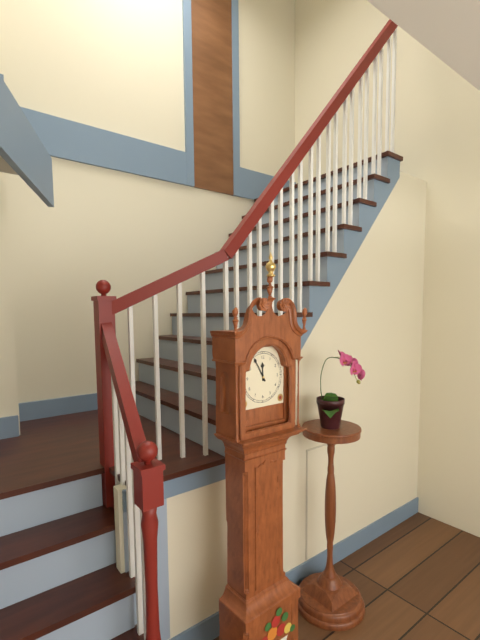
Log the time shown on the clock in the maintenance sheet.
11:55
